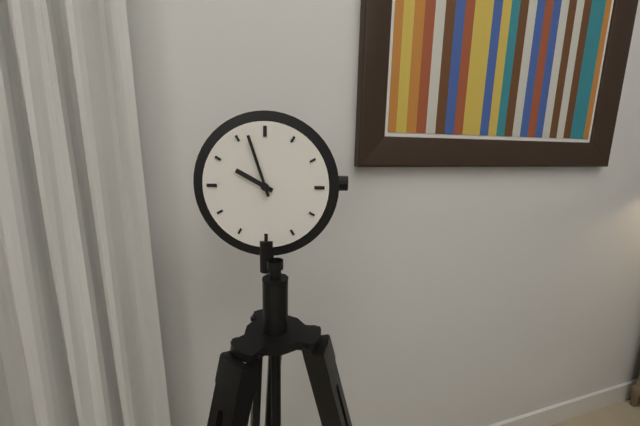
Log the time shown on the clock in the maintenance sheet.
9:57
